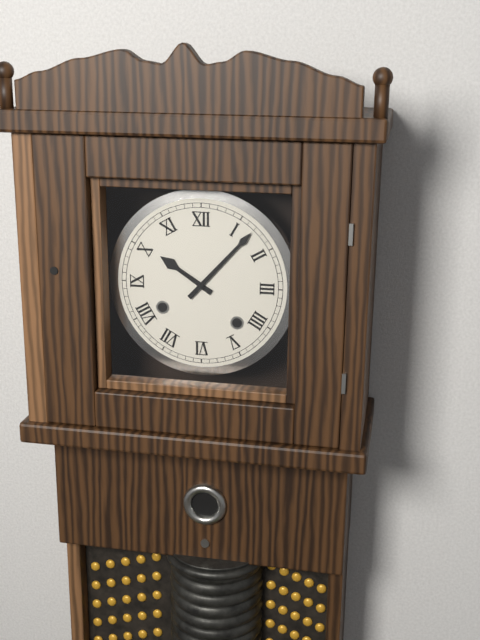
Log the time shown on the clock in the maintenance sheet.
10:07
